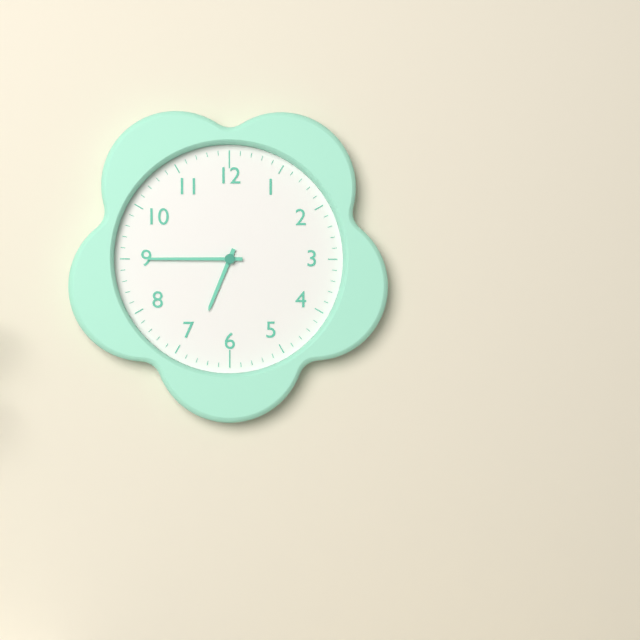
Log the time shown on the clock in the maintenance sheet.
6:45
